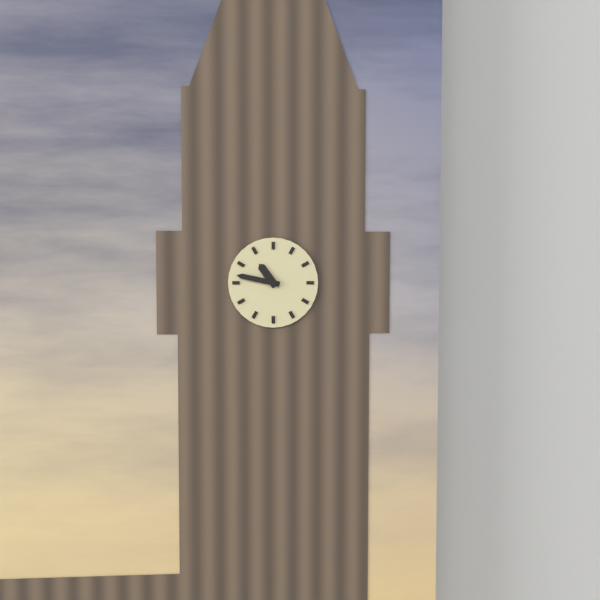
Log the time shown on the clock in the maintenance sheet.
10:47
